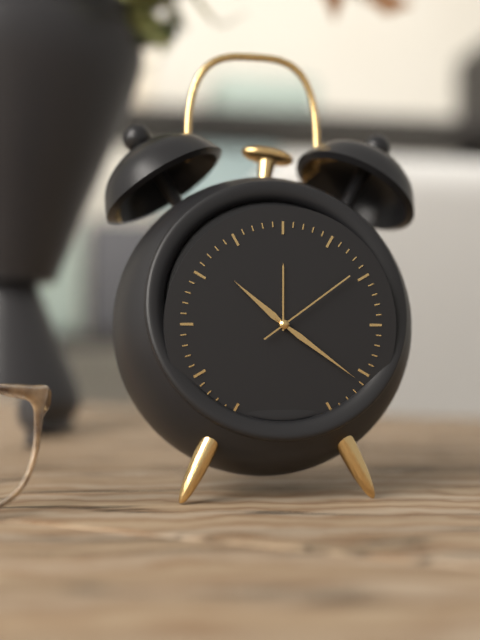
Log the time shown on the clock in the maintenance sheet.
10:21:09
